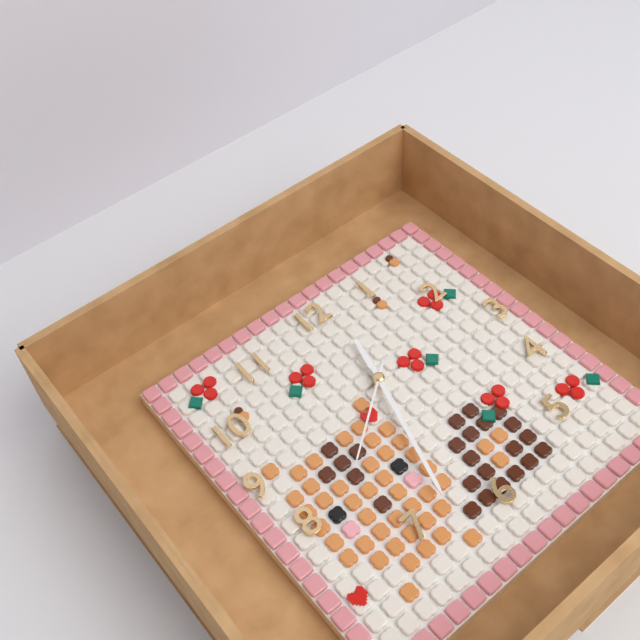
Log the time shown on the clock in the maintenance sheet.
12:33:39
